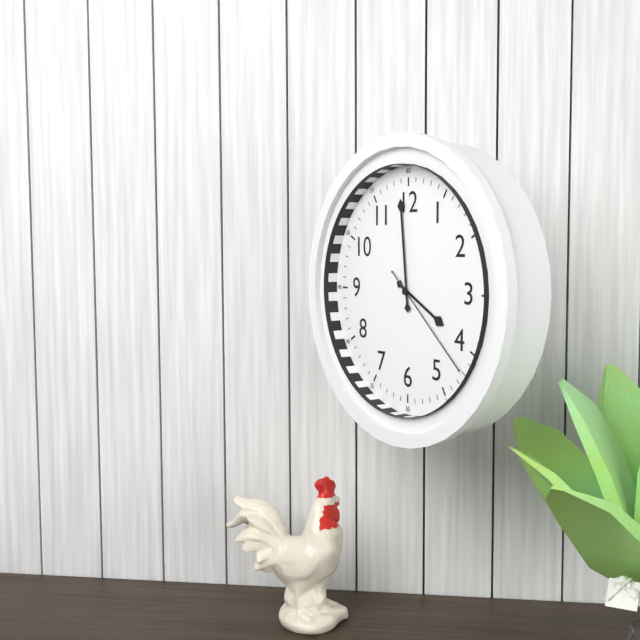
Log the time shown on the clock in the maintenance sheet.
3:59:22
